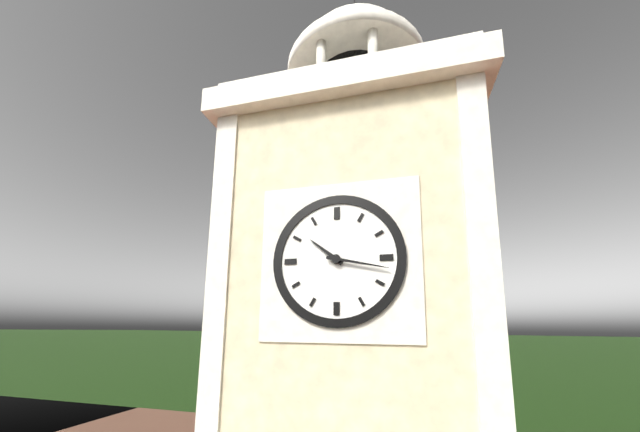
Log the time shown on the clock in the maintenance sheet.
10:17
